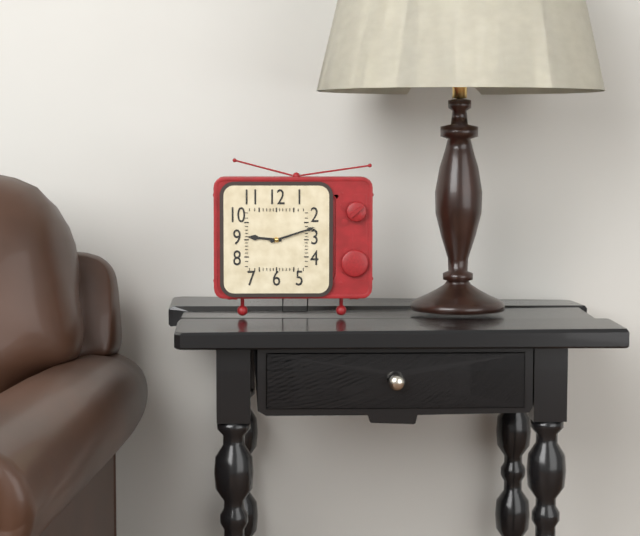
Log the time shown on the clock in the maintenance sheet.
9:12
